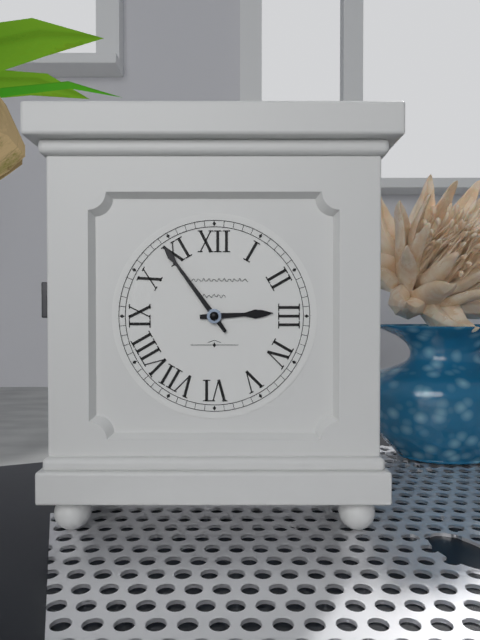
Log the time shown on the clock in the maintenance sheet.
2:54
